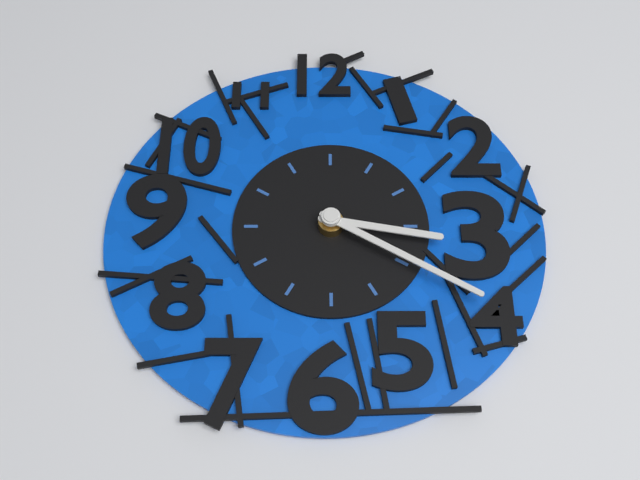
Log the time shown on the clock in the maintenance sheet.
3:20
